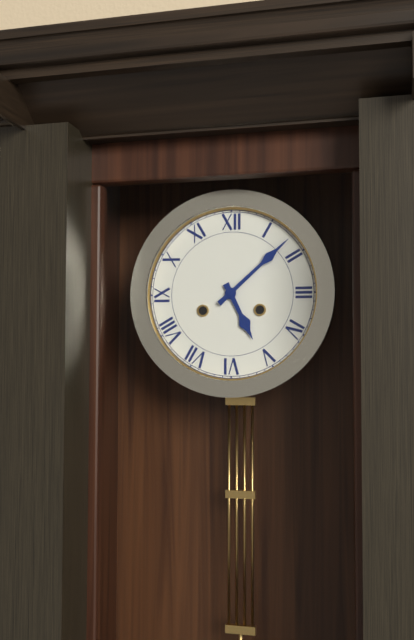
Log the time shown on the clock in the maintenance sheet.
5:08
